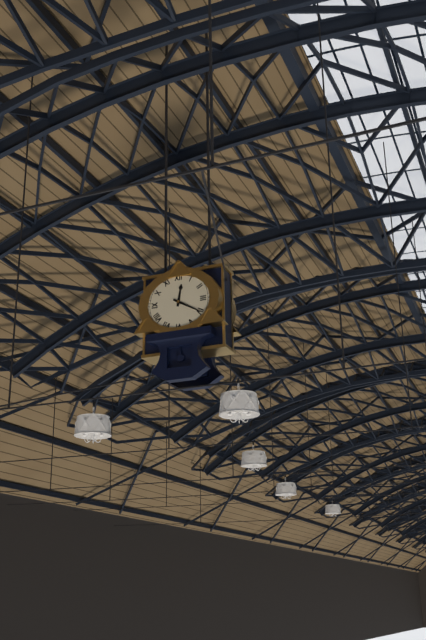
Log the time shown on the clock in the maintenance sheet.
12:20
